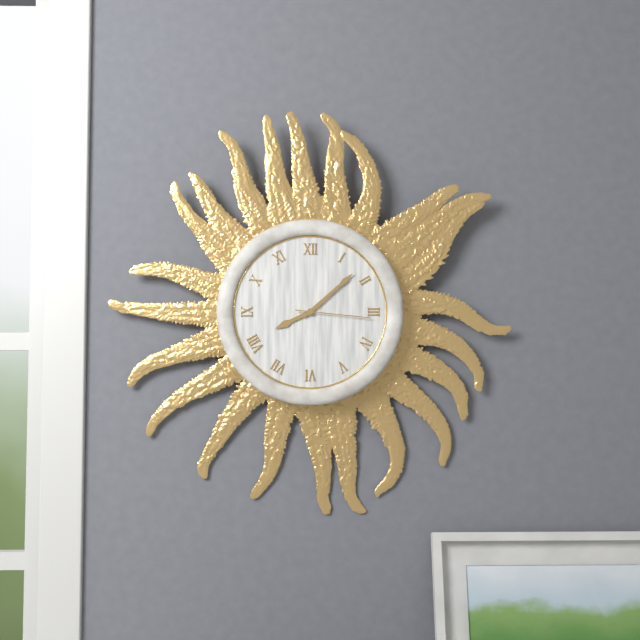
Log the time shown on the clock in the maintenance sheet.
8:08:16
